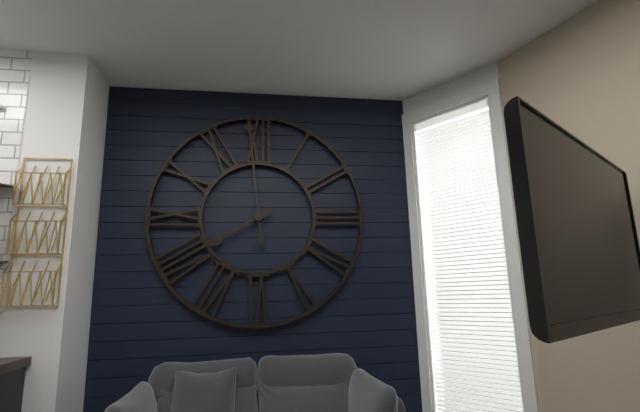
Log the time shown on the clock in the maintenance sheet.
7:59
